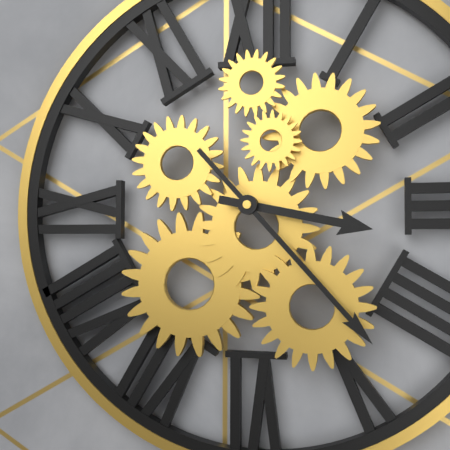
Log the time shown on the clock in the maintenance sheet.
3:23
